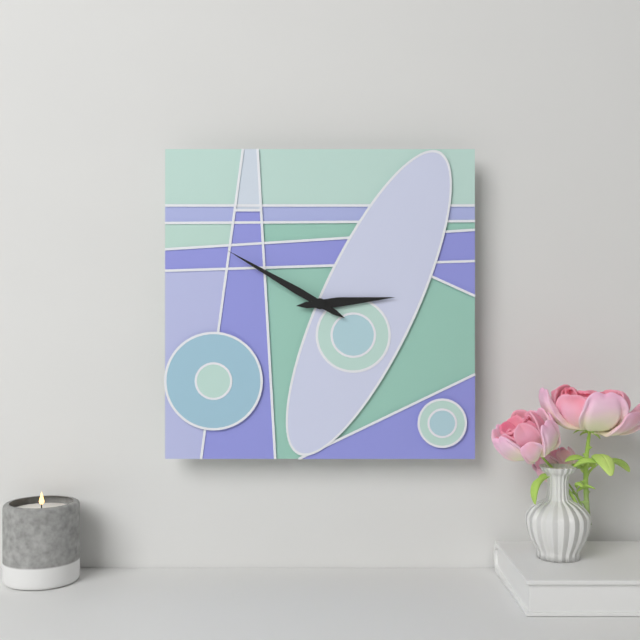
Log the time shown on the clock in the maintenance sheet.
2:50
